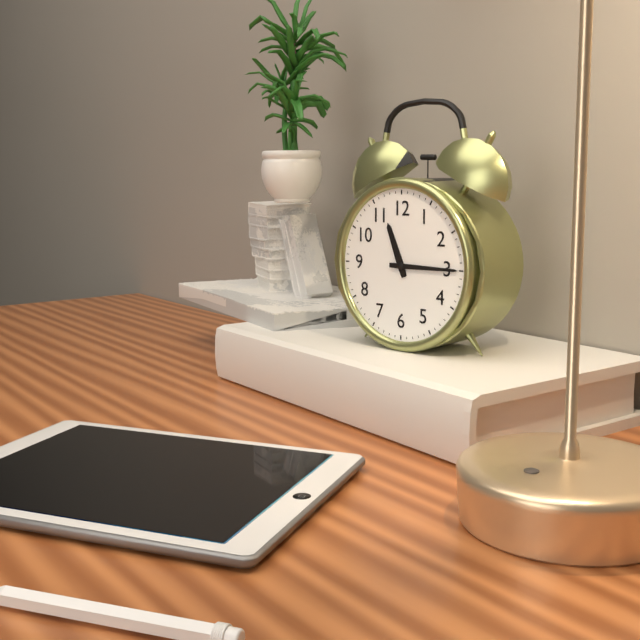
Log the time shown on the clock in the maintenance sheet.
11:15
